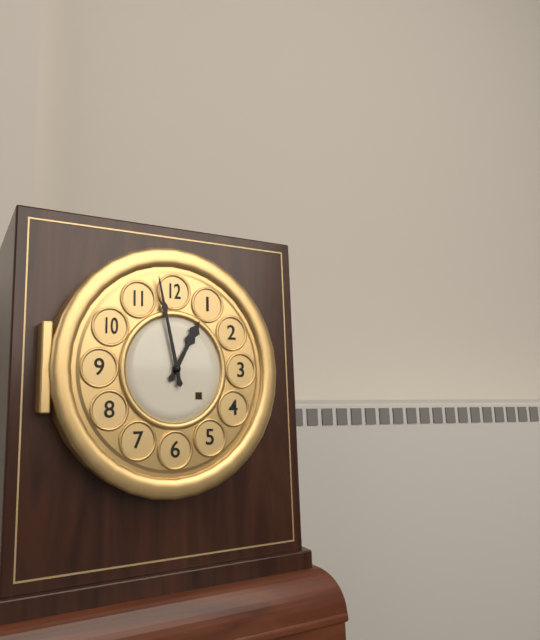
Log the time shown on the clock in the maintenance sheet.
12:58
